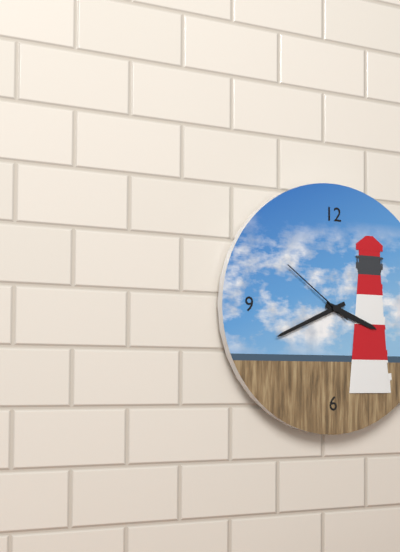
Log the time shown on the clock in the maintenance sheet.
3:41:51
